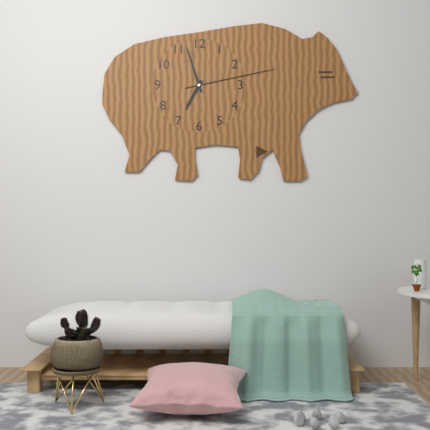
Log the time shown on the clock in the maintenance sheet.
6:57:13
